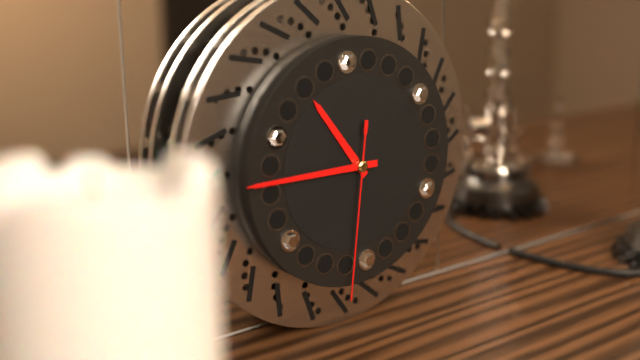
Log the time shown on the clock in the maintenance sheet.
10:45:31
